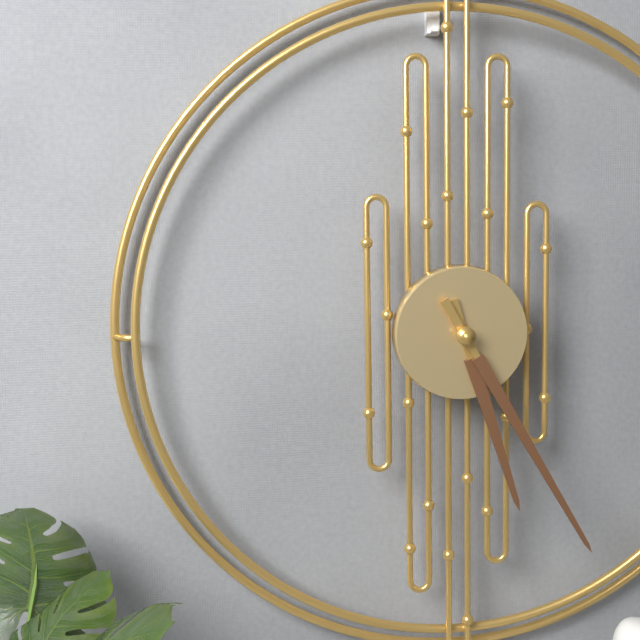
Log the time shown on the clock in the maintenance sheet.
5:25
